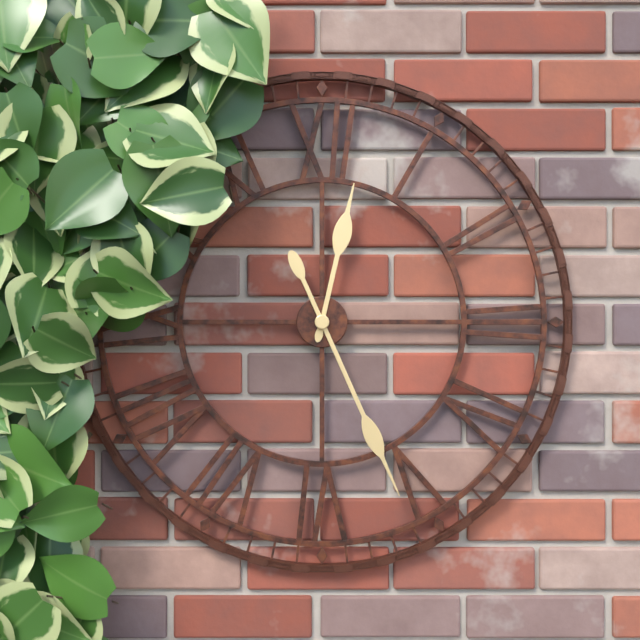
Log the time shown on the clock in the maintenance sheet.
12:26
